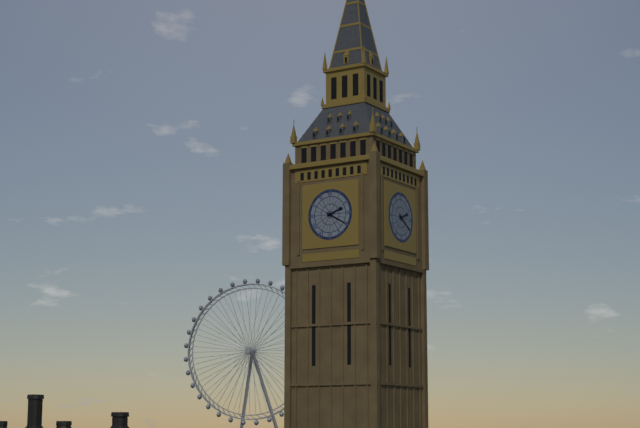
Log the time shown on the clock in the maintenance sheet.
2:20
